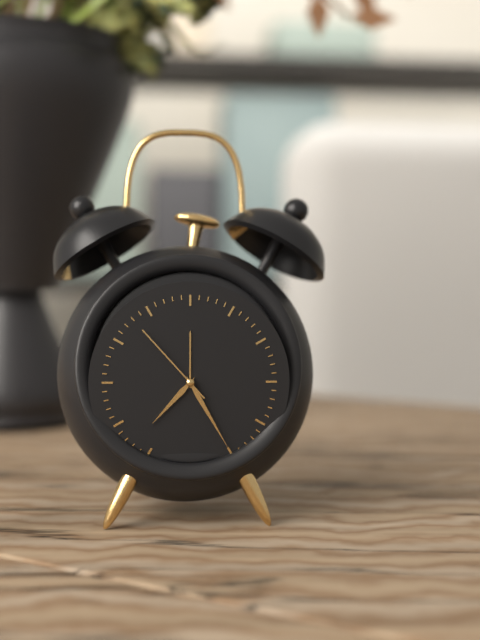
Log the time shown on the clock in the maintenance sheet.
7:25:53
